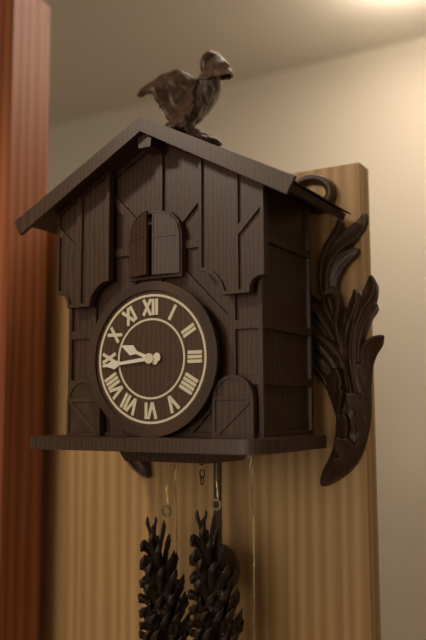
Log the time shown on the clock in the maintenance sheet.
9:44
